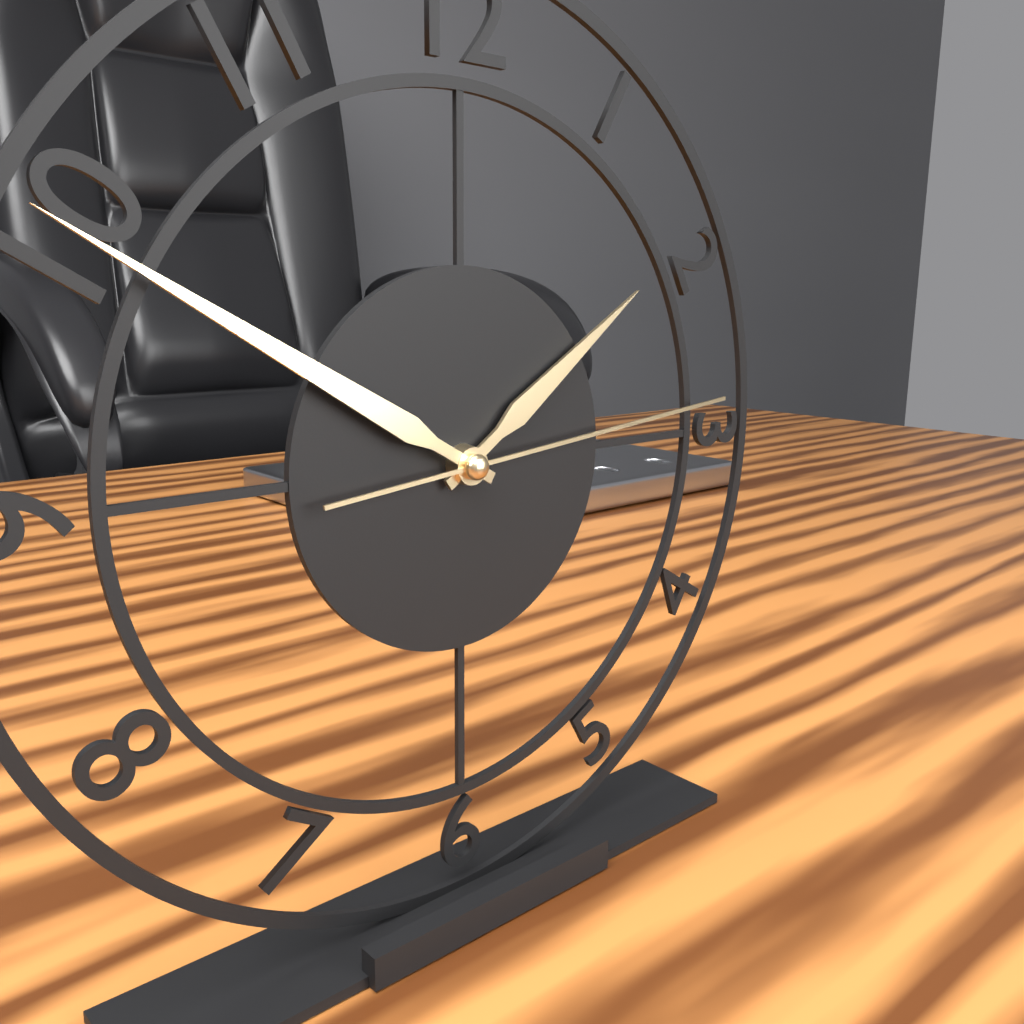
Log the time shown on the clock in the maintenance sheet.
1:50:14
